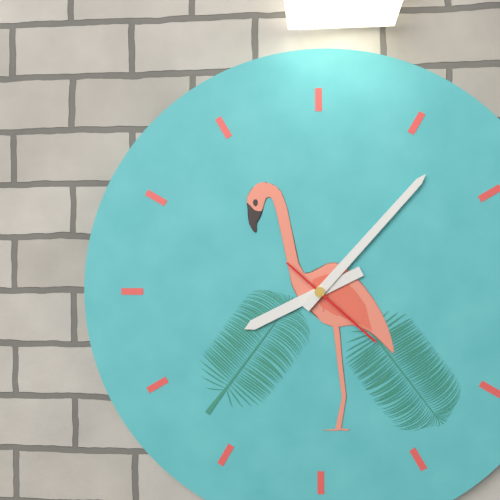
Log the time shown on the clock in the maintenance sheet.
8:07:22
